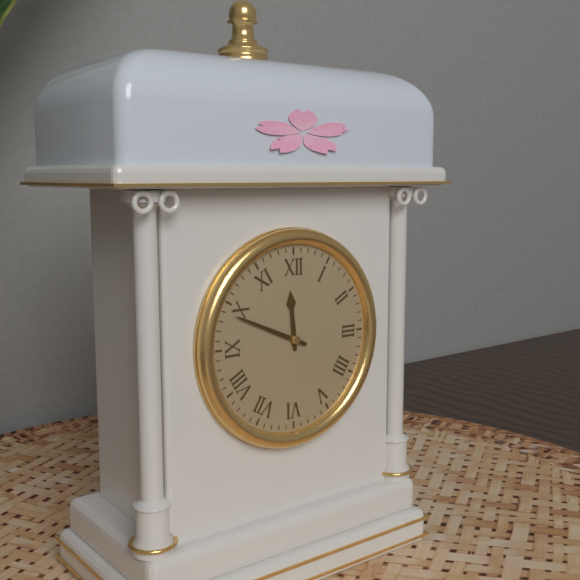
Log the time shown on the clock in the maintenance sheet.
11:49
